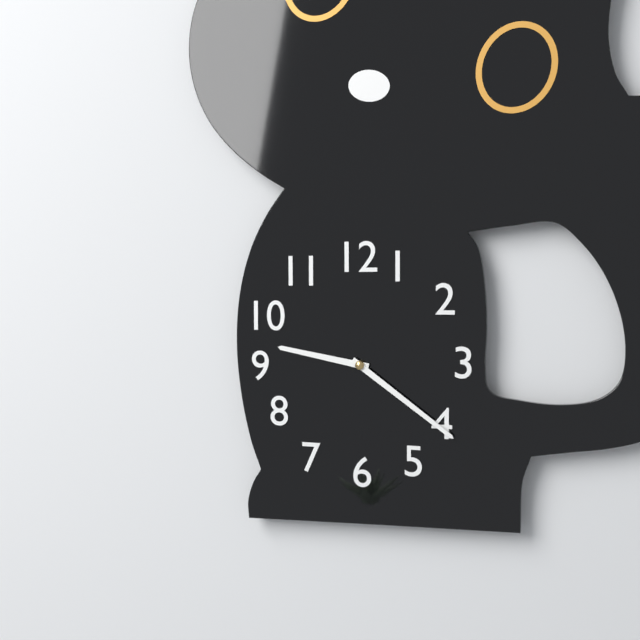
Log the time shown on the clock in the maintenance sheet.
9:21
